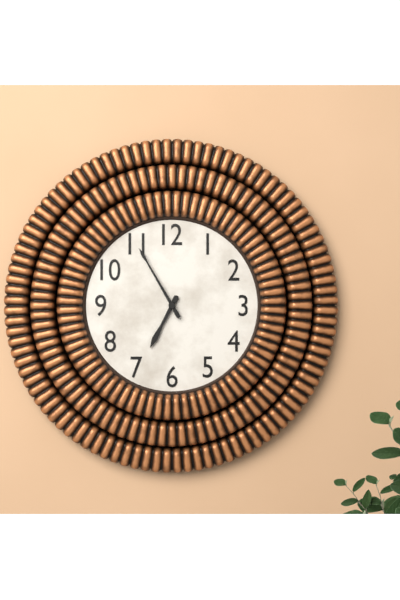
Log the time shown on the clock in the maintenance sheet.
6:55
